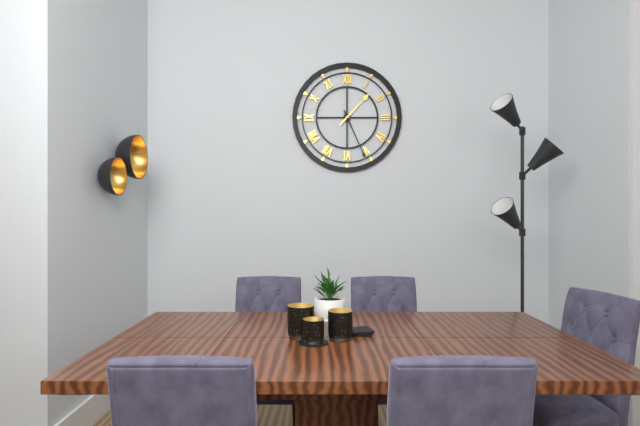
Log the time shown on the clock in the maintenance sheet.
1:26
